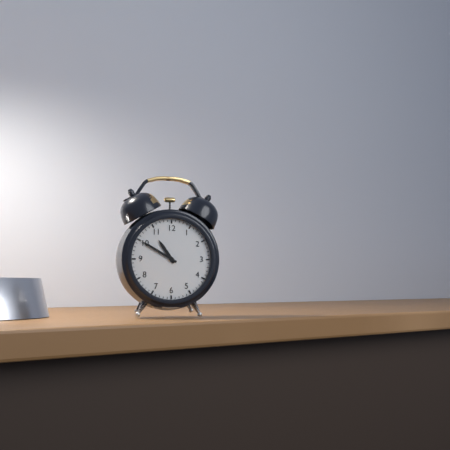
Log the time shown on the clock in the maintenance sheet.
10:50
